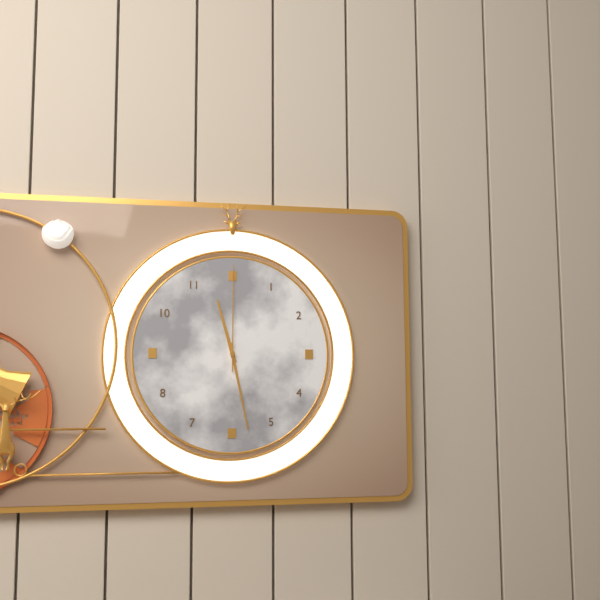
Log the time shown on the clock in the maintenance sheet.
11:28:00
